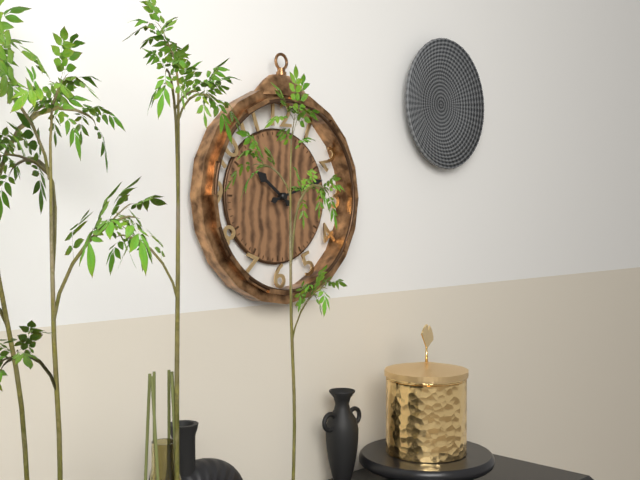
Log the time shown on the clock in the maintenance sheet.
10:12
